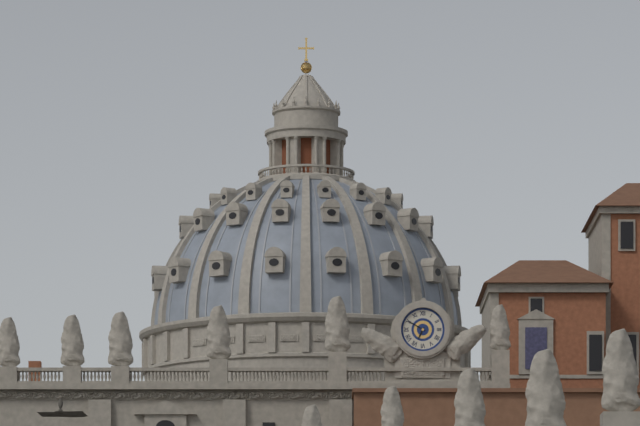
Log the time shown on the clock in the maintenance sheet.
6:50
